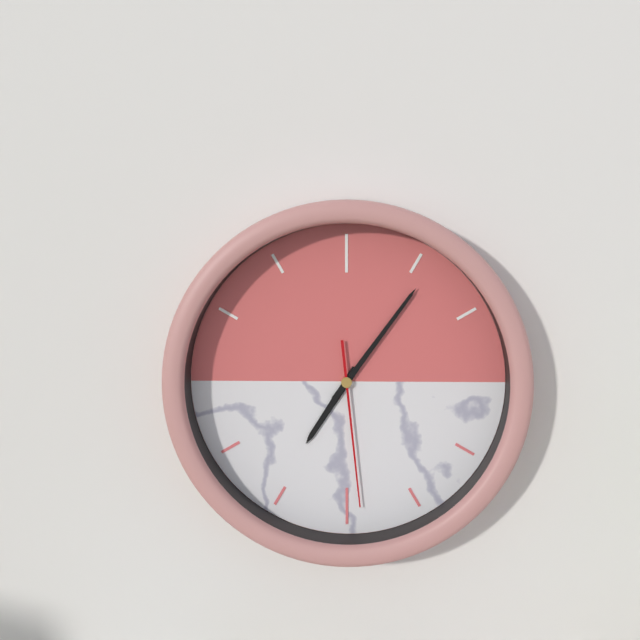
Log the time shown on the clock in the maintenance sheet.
7:06:29
